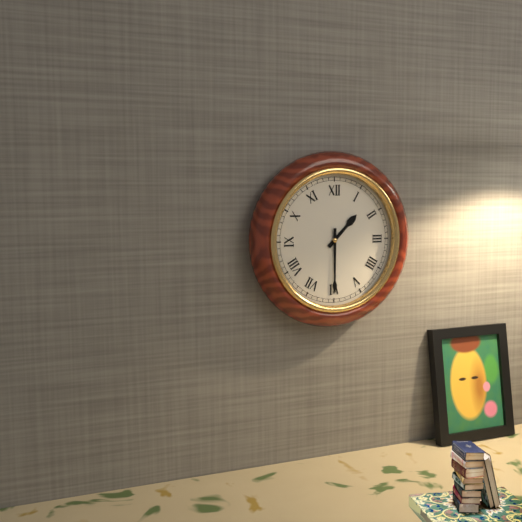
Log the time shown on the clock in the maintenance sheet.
1:30
